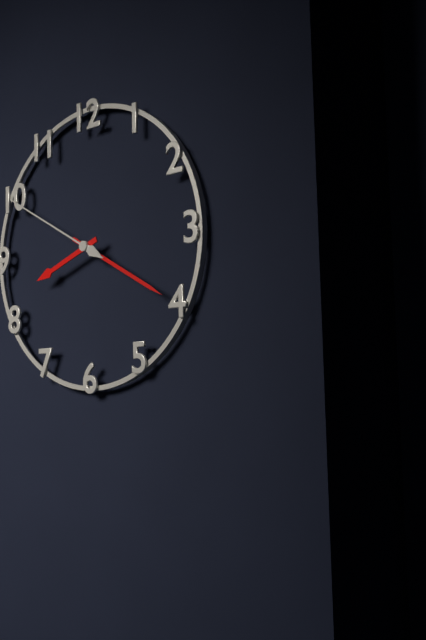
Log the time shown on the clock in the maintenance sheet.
8:20:50
